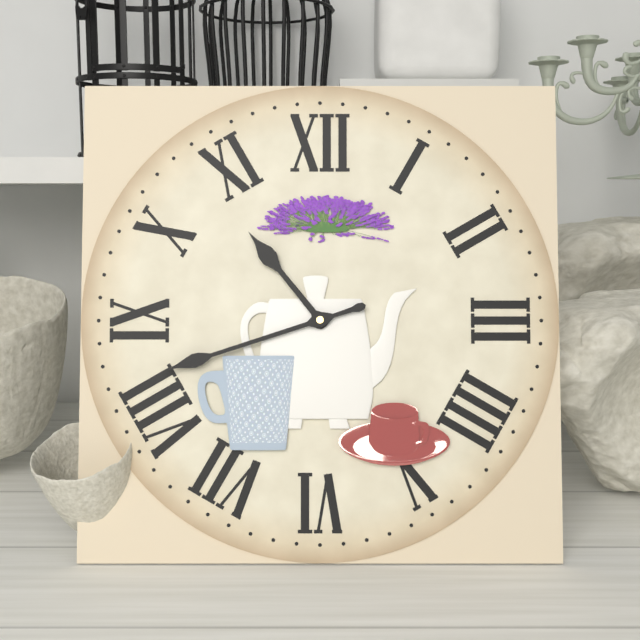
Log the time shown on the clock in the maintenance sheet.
10:42
